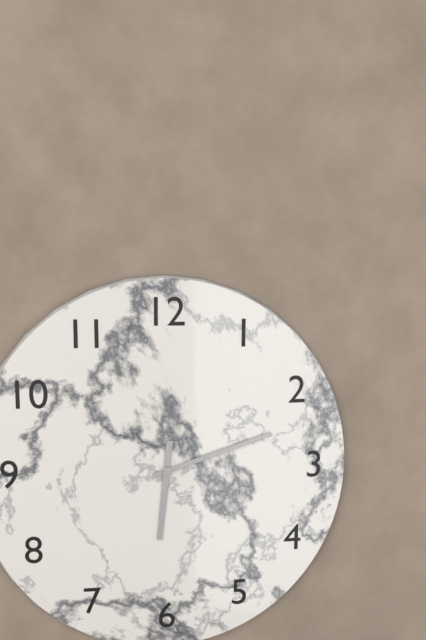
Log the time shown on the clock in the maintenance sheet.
6:12
